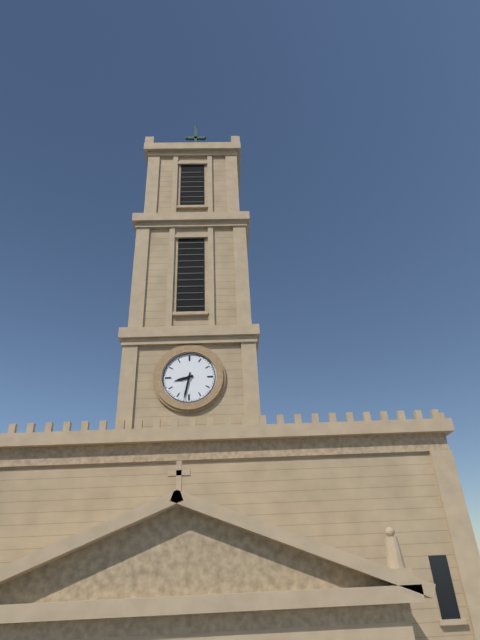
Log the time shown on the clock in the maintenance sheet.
8:32
